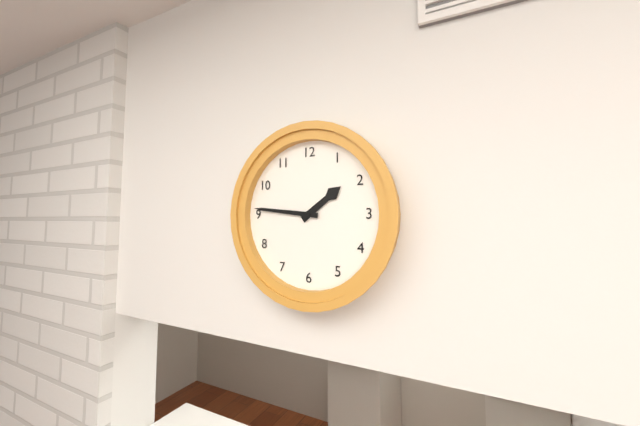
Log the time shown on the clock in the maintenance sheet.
1:46
